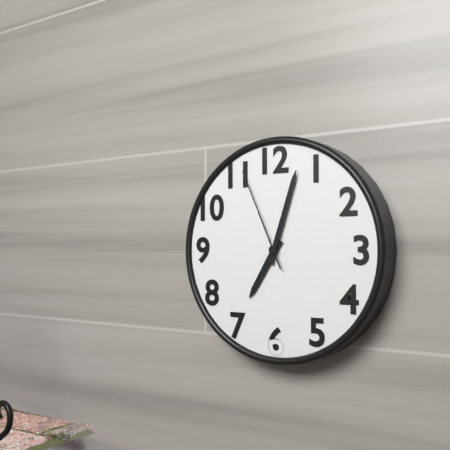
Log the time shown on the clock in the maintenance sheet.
7:03:56
